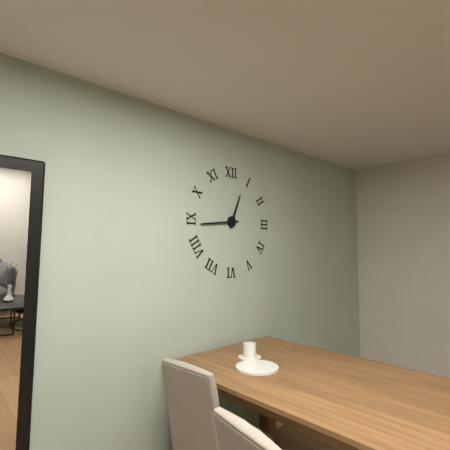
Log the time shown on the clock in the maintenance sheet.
12:44
